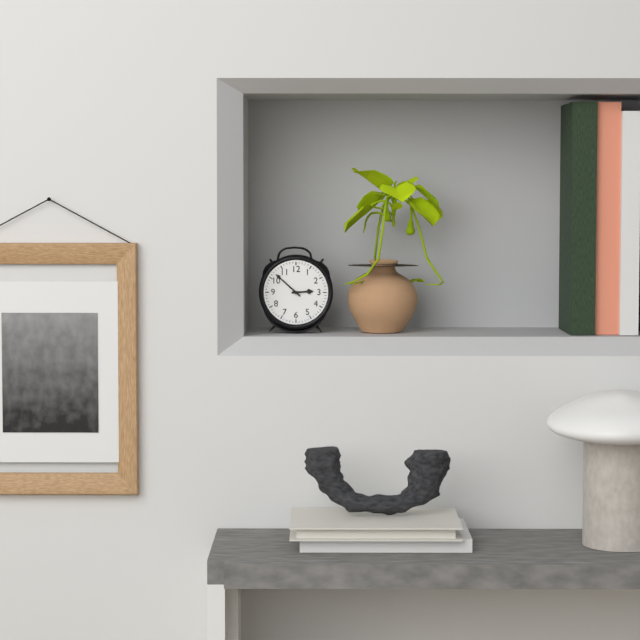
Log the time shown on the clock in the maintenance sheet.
2:52
